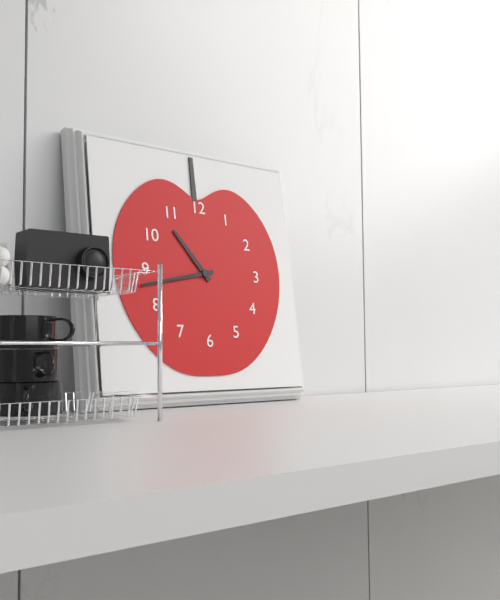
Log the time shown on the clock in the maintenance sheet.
10:43
